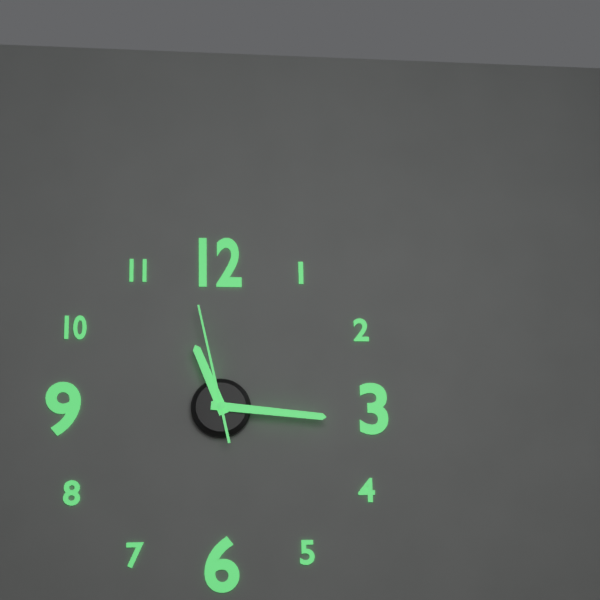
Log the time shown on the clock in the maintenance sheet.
11:16:58
